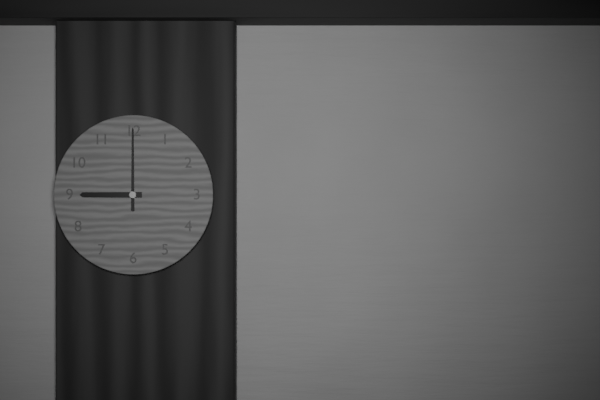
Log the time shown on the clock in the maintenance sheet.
9:00
